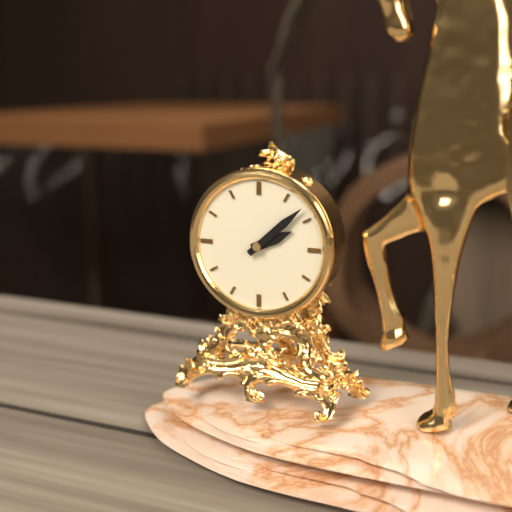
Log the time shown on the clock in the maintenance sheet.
2:08
